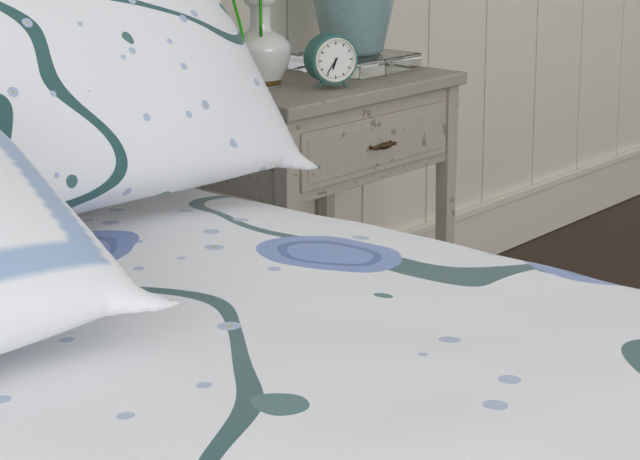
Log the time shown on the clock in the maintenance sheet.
6:36
